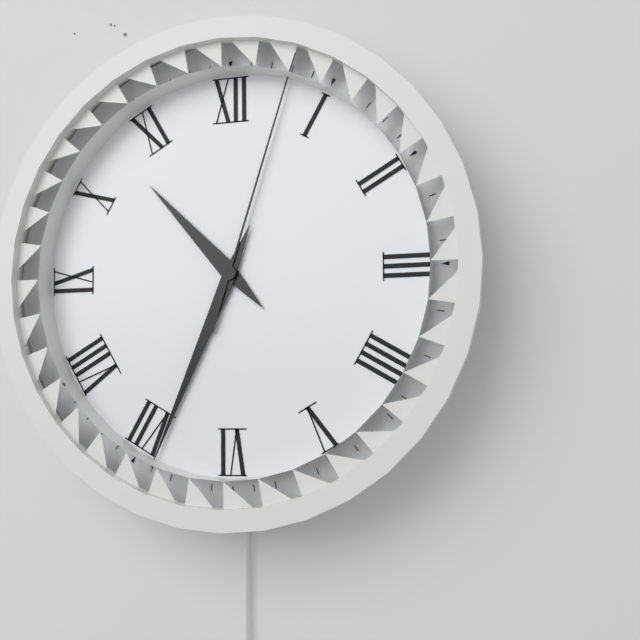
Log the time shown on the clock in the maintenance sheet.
10:34:03
